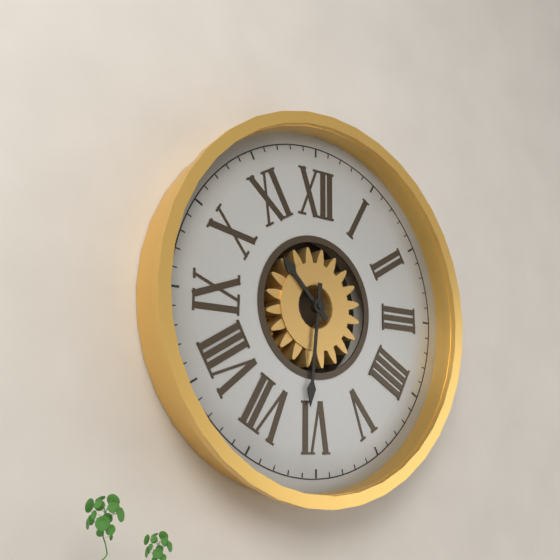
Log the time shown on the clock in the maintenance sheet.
10:31
